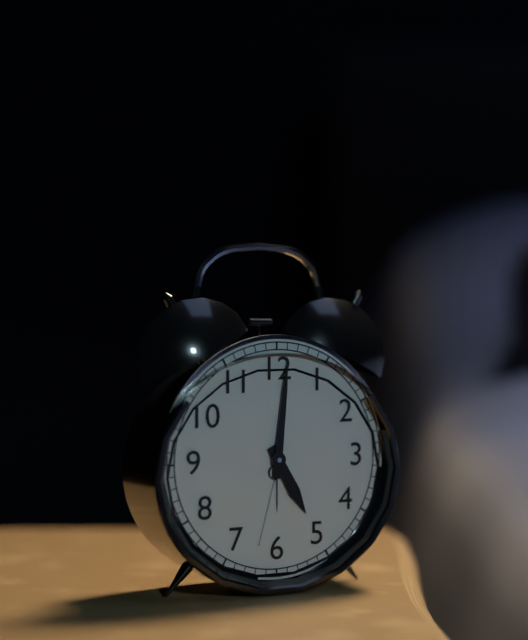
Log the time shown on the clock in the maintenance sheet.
5:01
